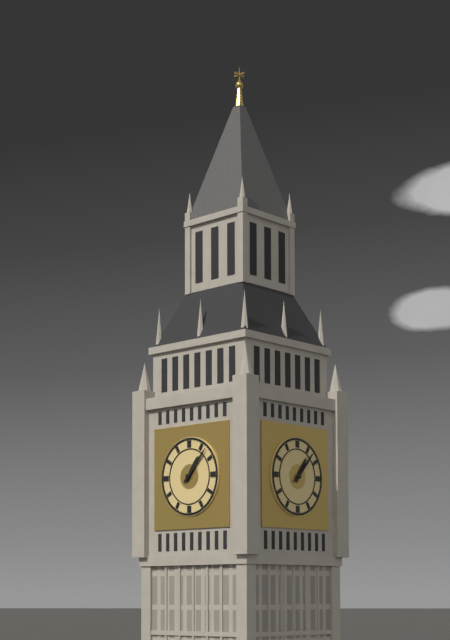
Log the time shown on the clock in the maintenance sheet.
1:07
